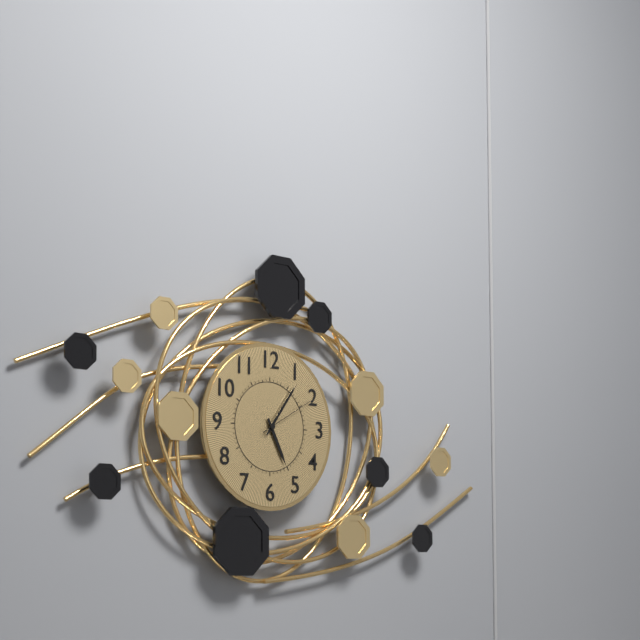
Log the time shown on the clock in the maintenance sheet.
5:06:10
